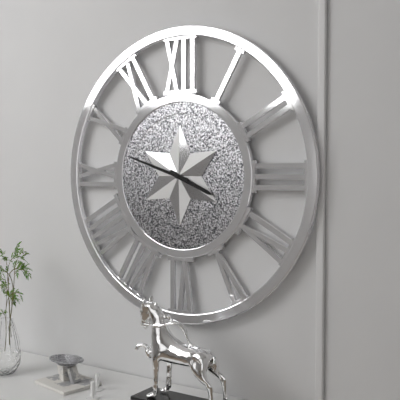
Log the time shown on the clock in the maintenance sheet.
3:48
